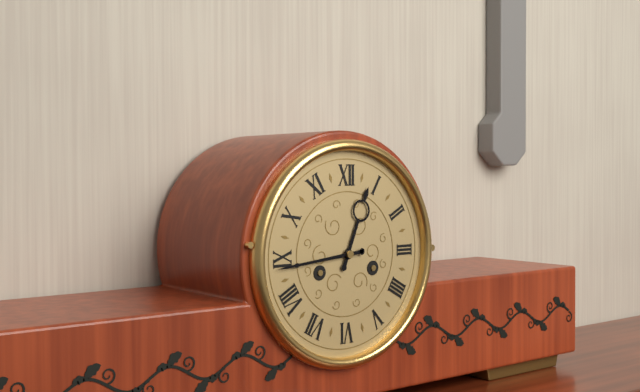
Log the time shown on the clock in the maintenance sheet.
12:44
